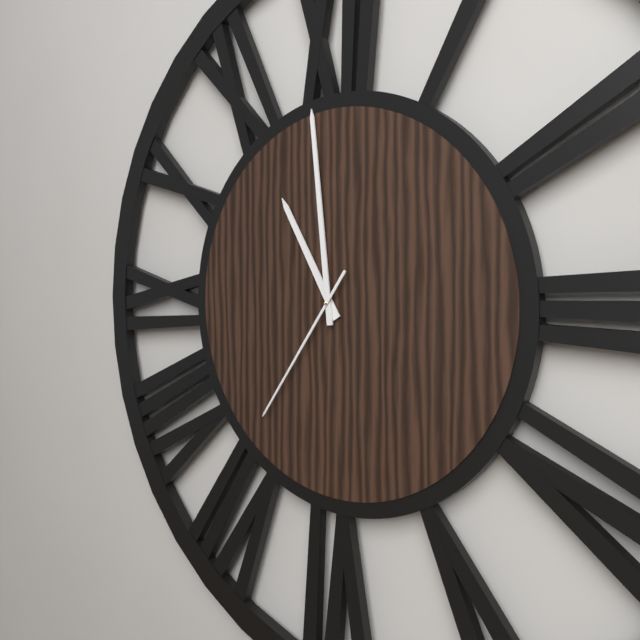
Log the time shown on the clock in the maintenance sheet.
10:59:36
